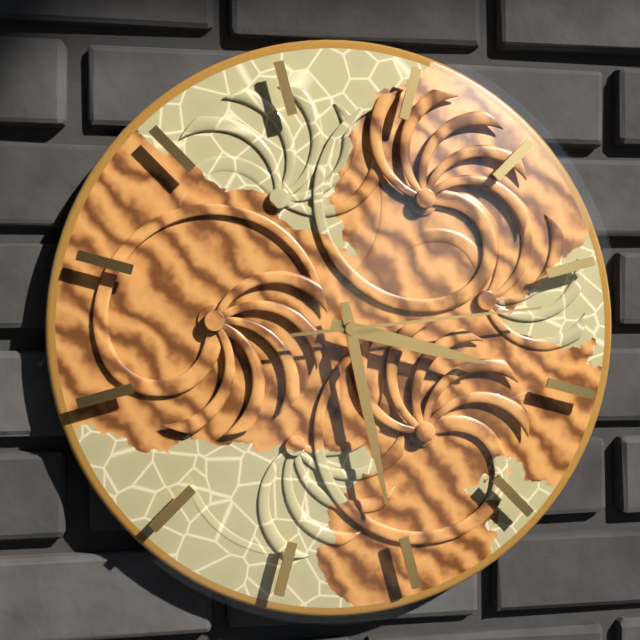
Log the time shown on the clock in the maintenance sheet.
3:28:14
